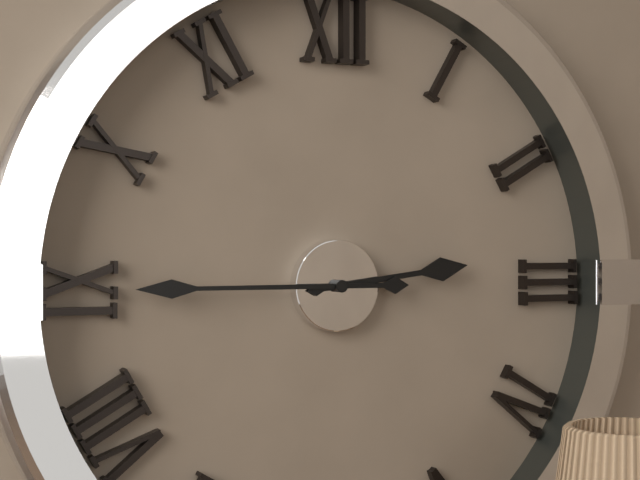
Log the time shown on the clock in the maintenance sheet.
2:45
